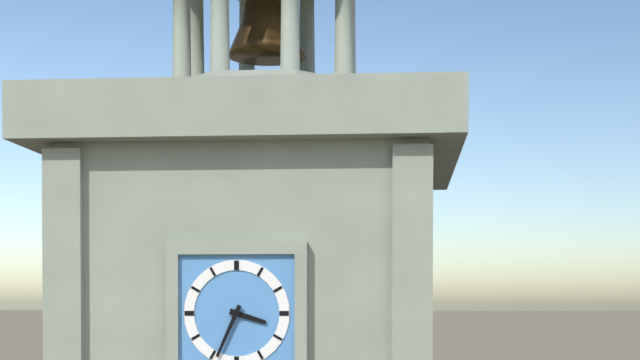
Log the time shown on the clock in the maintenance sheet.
3:34
